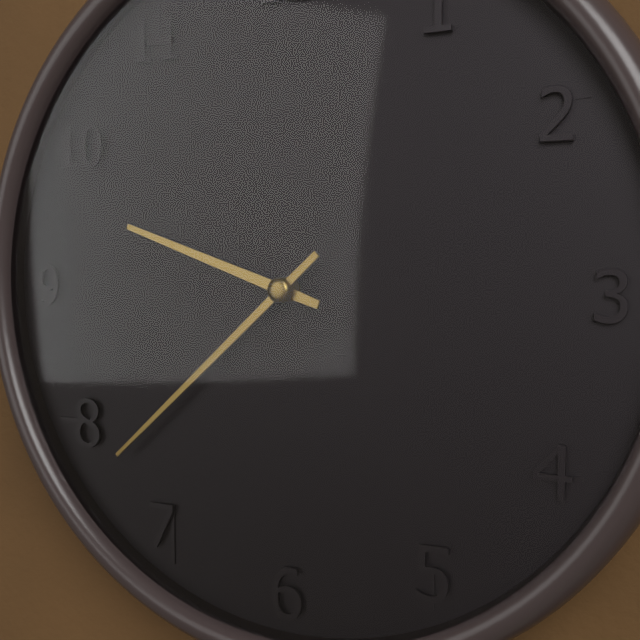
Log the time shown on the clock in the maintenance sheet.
9:38
